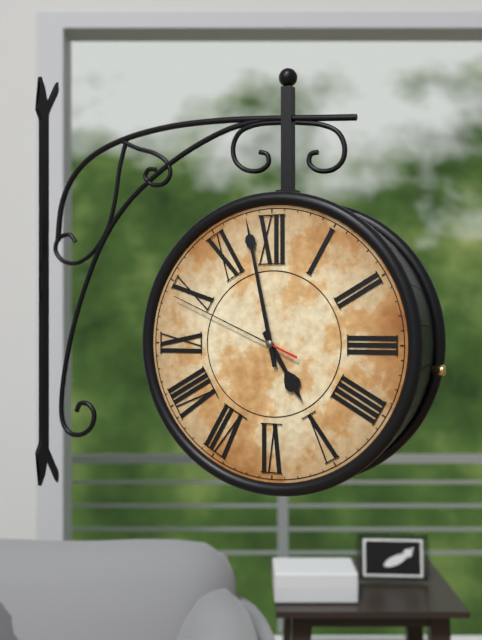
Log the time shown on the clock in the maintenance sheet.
4:58:49
